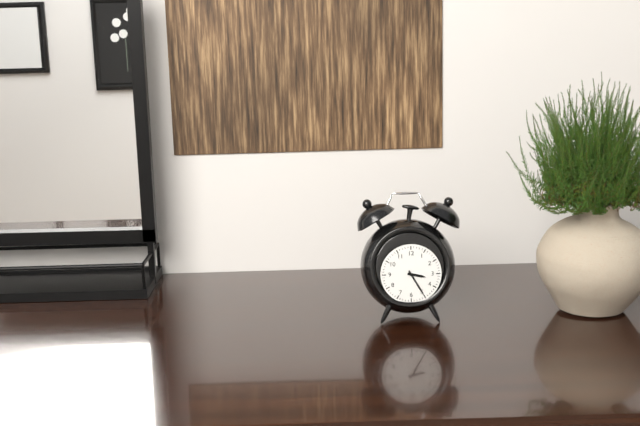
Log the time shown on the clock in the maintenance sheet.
3:25
